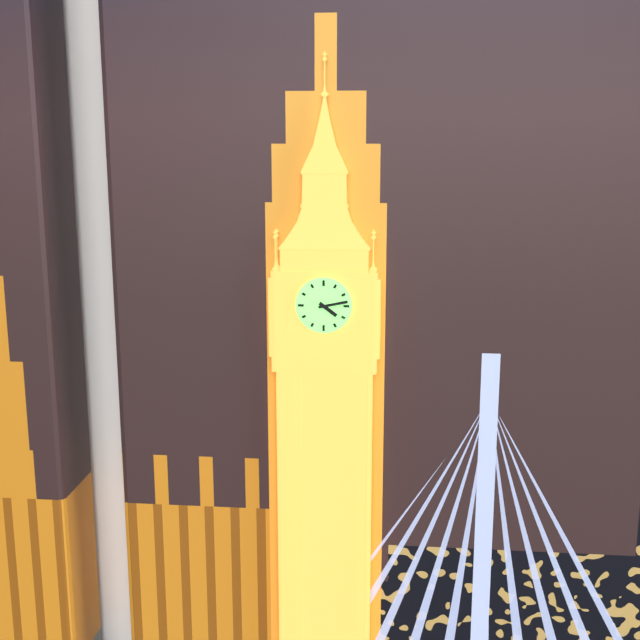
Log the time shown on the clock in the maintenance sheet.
4:13
